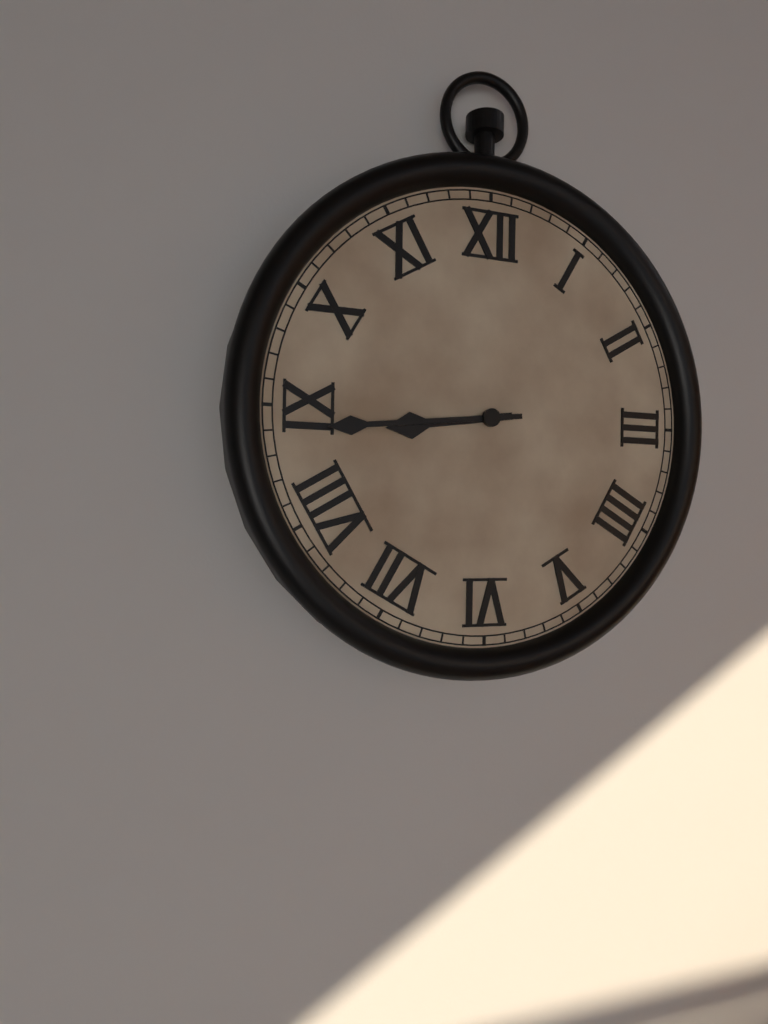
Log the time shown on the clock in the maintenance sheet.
8:44
